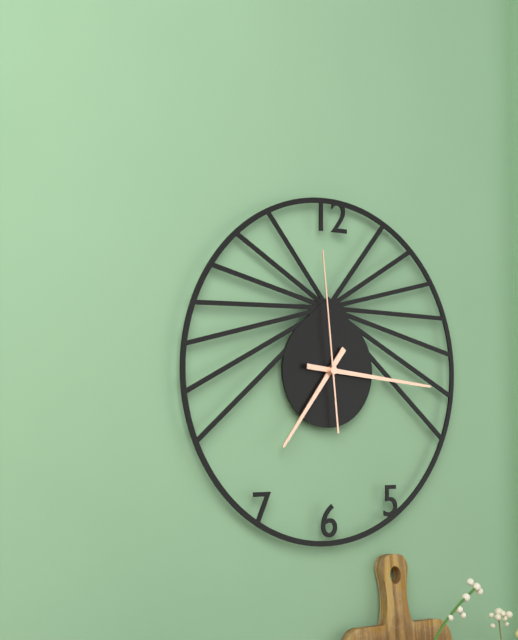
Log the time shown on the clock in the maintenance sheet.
7:16:59
